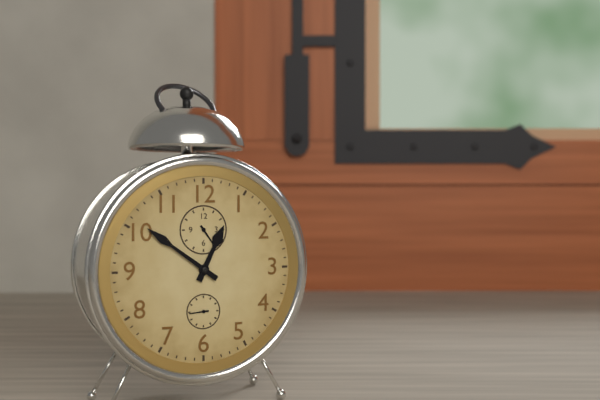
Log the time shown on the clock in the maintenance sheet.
12:51
